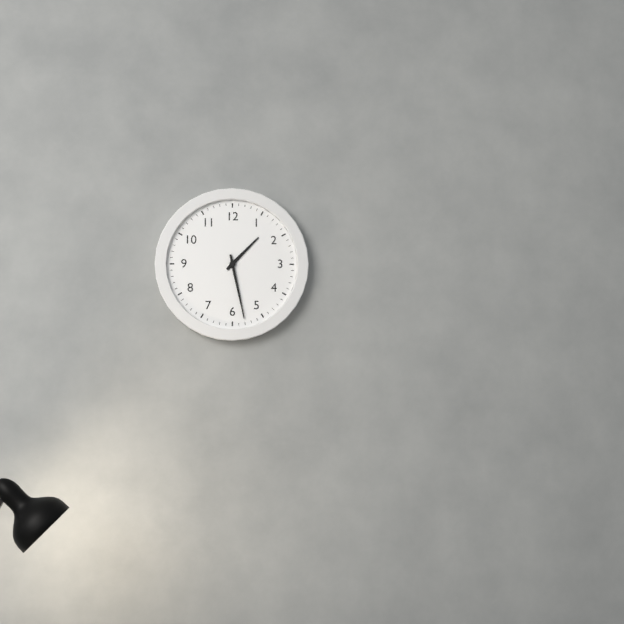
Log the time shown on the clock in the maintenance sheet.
1:28
